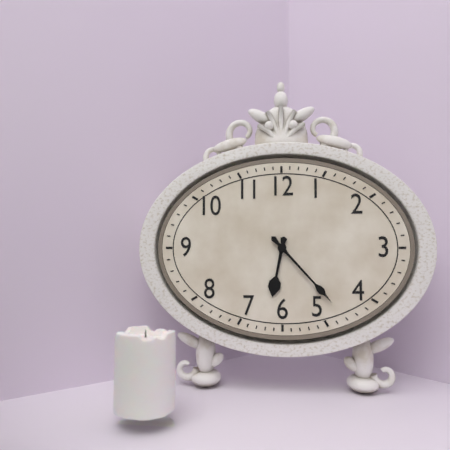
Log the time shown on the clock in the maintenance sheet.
6:23
